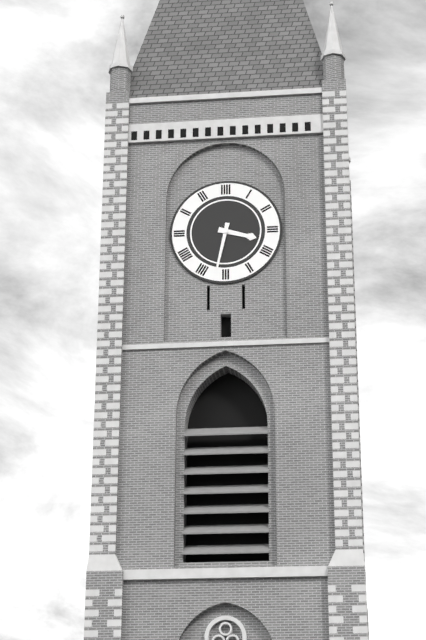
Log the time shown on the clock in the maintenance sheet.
3:32
